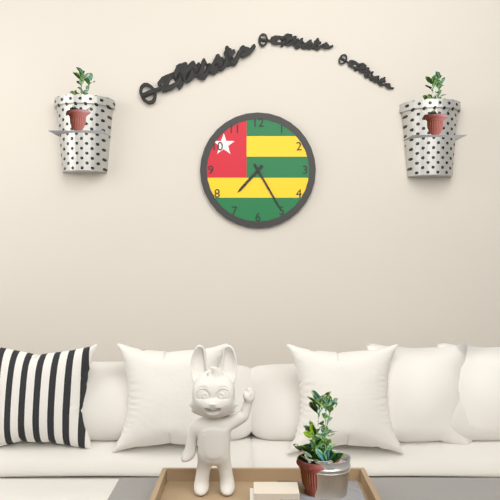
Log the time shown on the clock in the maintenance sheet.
7:25
